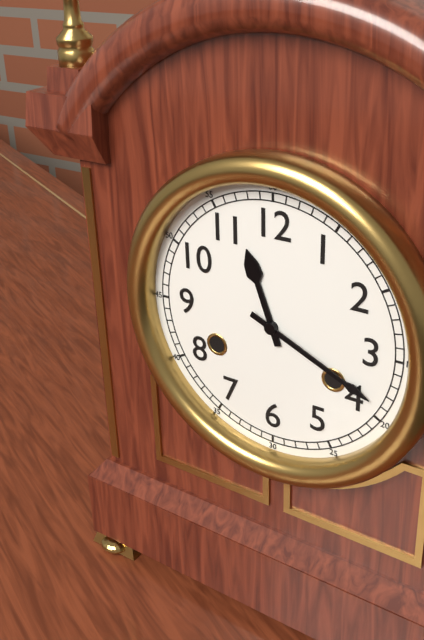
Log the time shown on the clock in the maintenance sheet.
11:19
